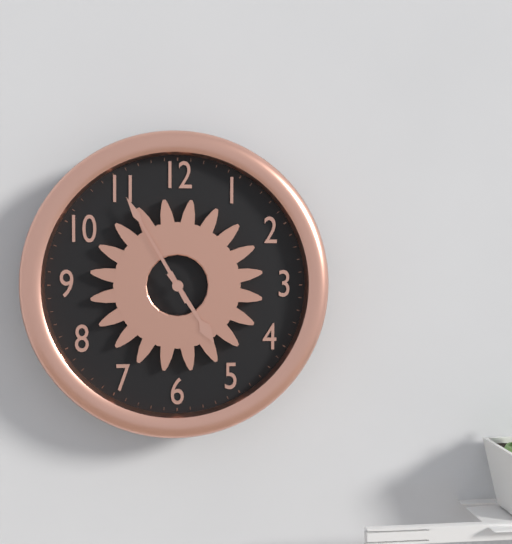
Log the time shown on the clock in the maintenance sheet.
4:55
